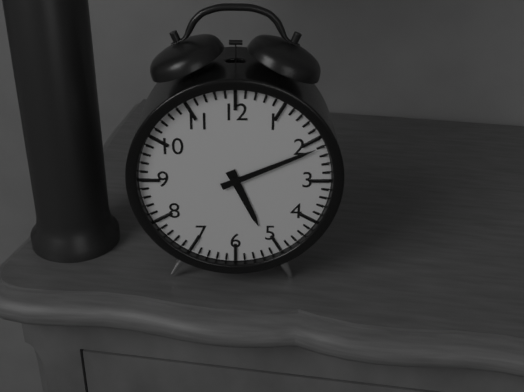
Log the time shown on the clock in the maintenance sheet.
5:11
